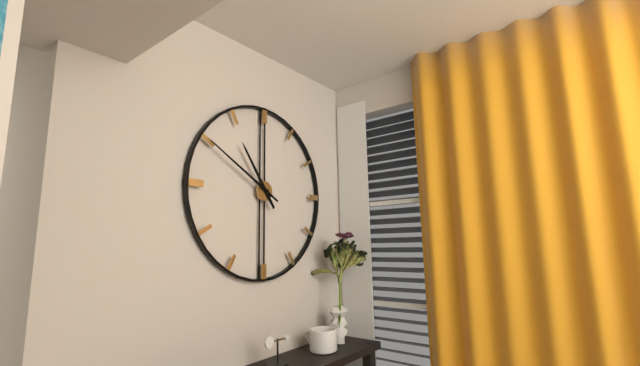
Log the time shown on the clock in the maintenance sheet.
10:50
